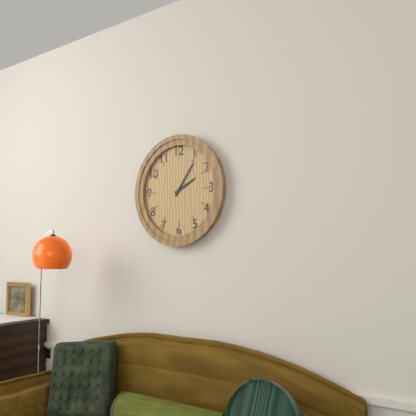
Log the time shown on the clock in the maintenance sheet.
2:06
